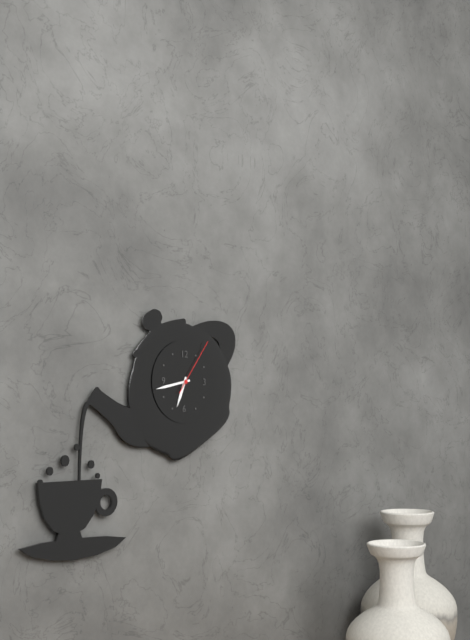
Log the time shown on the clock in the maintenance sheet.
6:43:06
